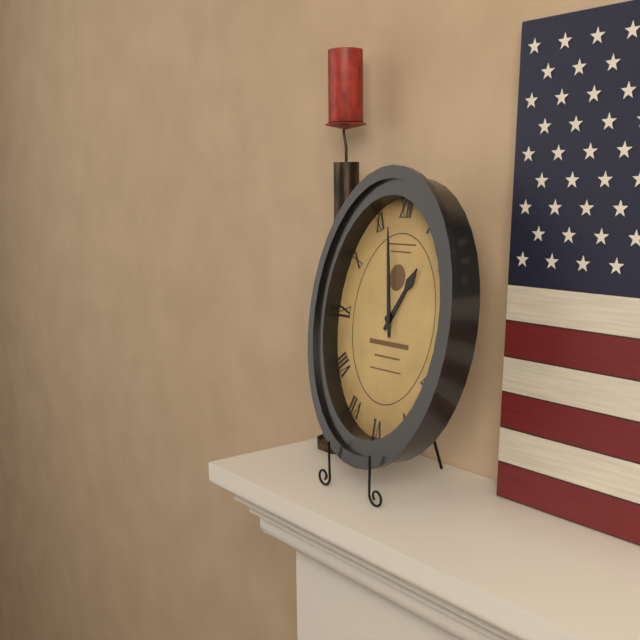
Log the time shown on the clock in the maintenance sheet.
12:58
